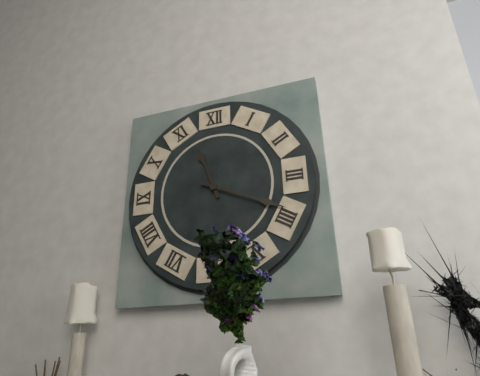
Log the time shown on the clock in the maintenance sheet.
11:19
